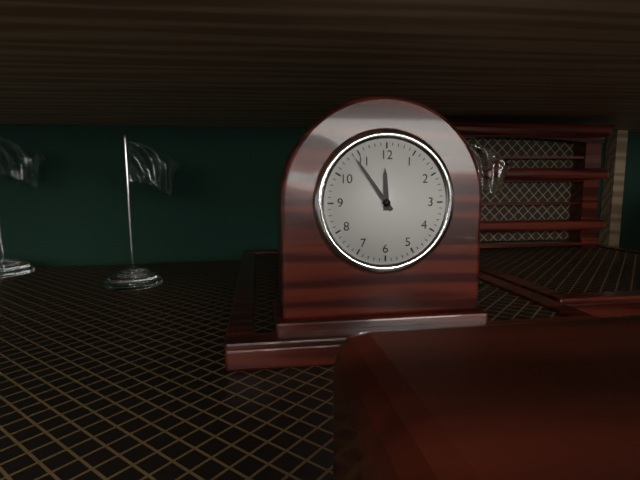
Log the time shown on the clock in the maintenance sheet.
11:54
